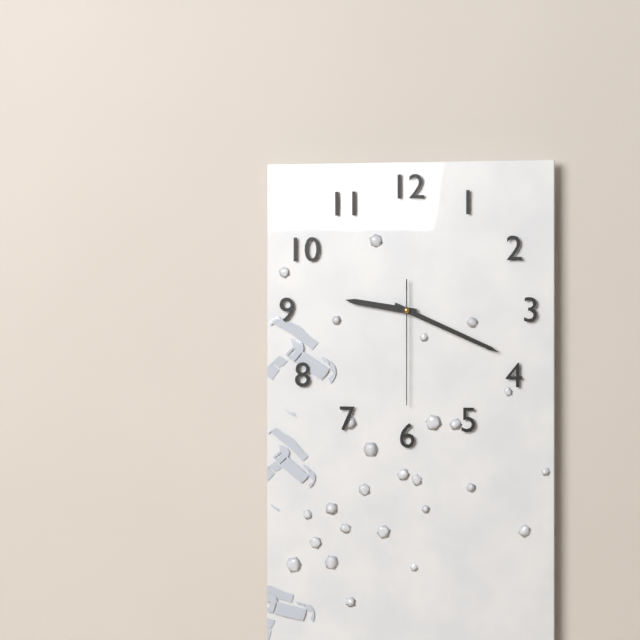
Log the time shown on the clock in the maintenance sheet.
9:19:30
